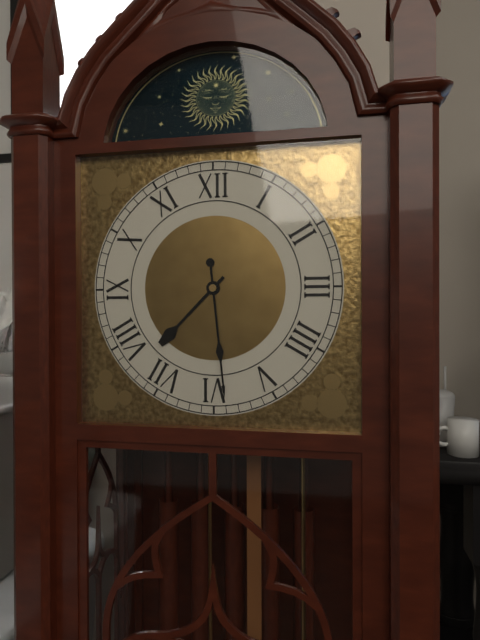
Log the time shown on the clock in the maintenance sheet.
7:29
